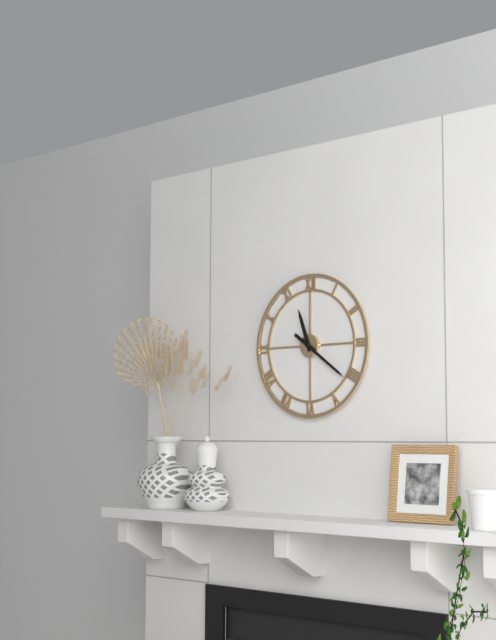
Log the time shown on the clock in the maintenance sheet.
11:21
